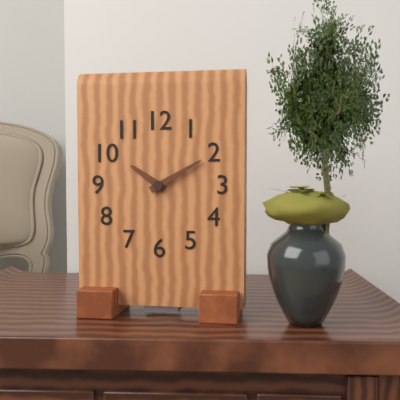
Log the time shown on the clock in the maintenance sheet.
10:10
